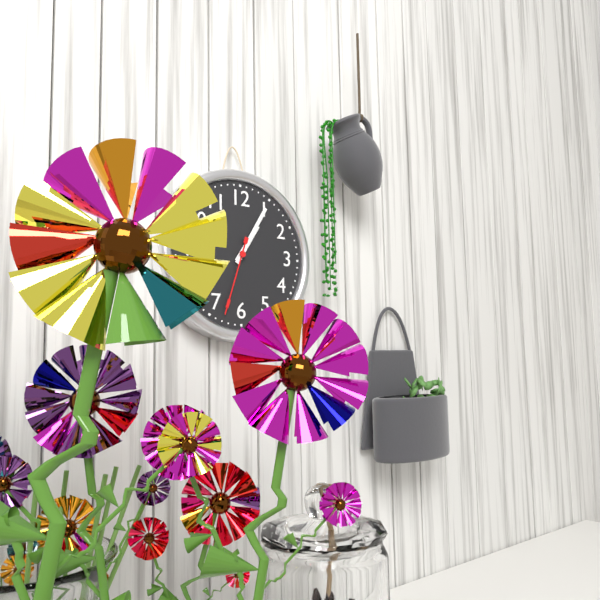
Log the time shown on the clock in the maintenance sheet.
1:05:33
